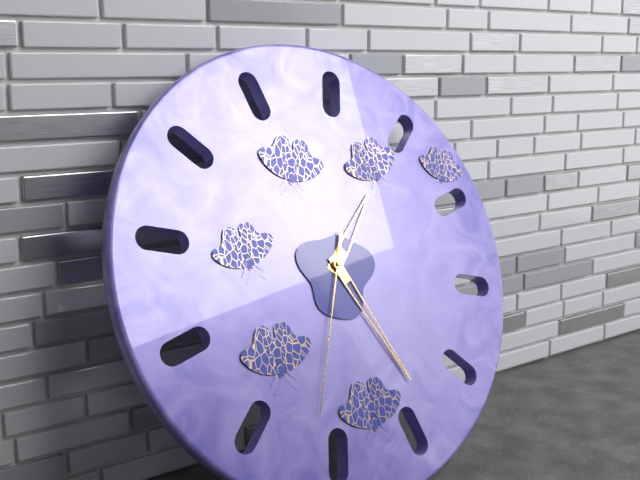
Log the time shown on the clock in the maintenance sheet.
1:26:34
